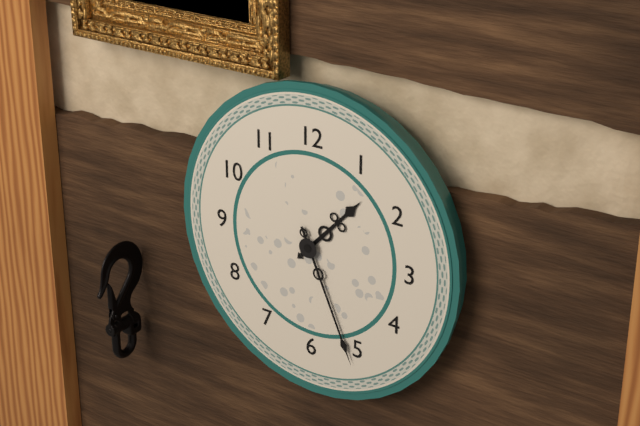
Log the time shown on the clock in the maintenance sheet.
1:26
